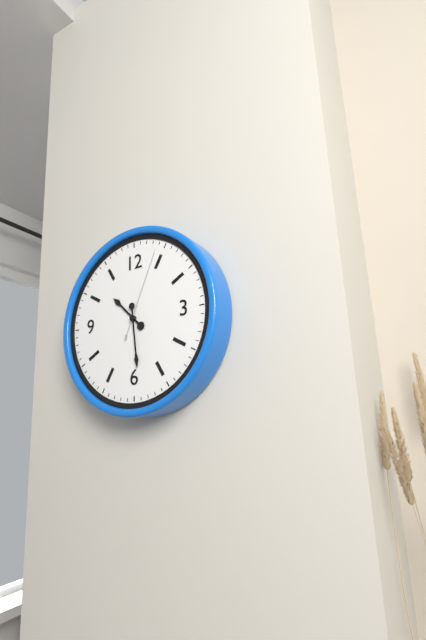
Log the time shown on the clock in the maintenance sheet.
10:29:04
